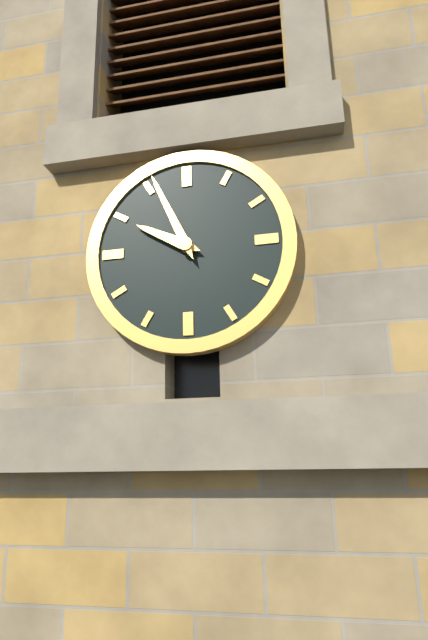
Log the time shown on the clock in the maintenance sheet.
9:56
